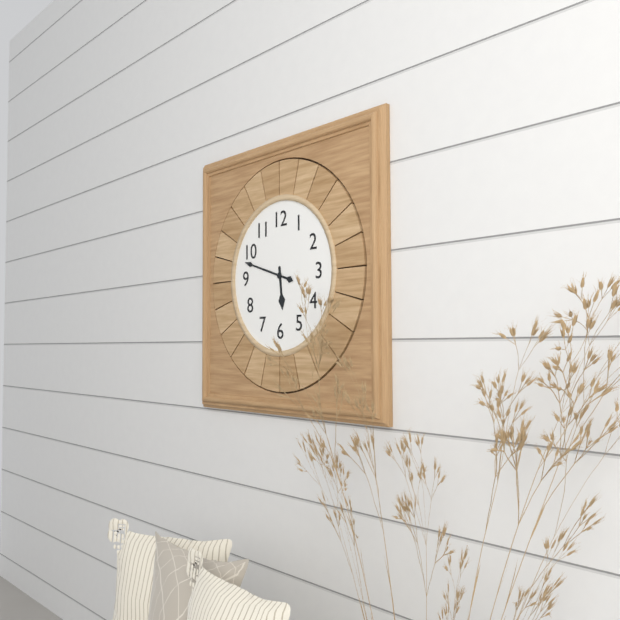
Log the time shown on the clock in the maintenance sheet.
5:48
